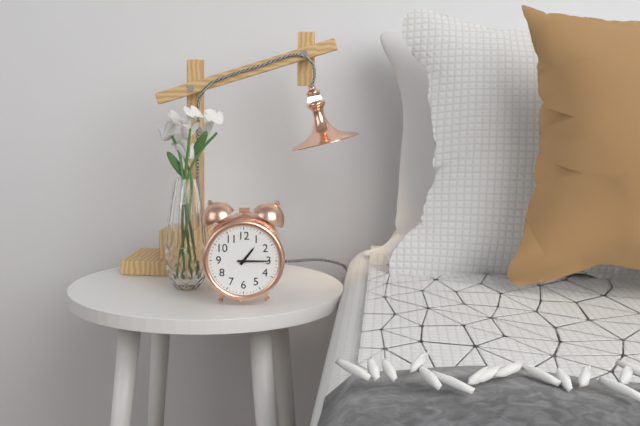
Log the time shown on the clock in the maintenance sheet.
1:15
